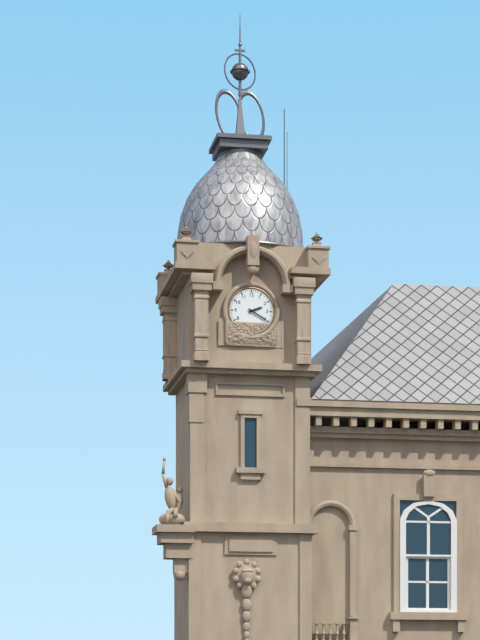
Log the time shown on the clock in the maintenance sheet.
2:20
